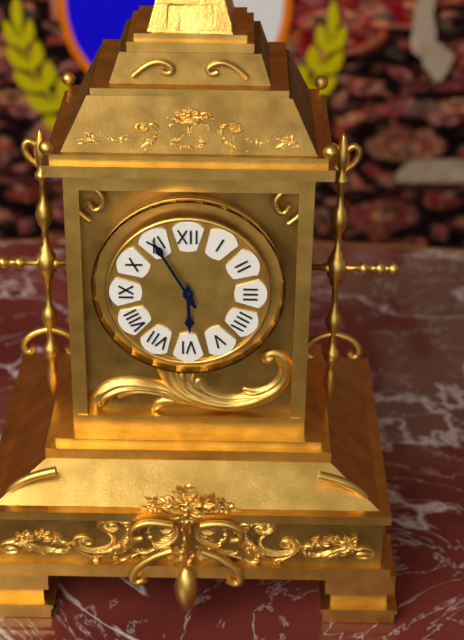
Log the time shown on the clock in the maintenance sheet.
5:55
